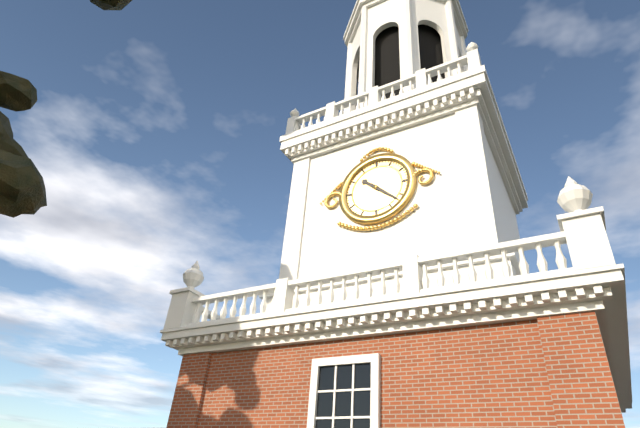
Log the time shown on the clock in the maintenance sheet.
10:22
